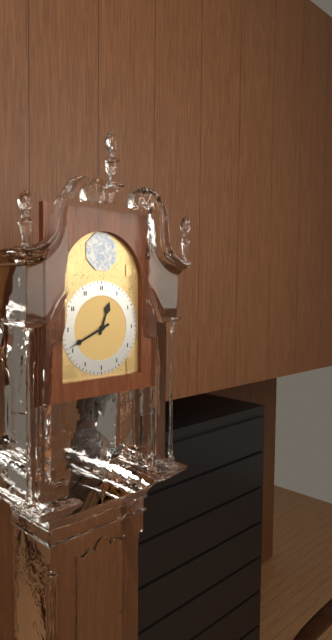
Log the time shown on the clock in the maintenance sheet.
12:41
